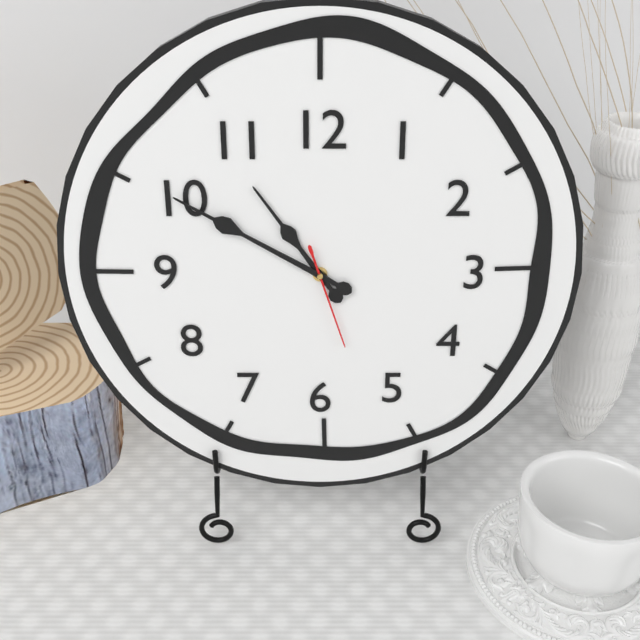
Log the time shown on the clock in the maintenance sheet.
10:50:27
